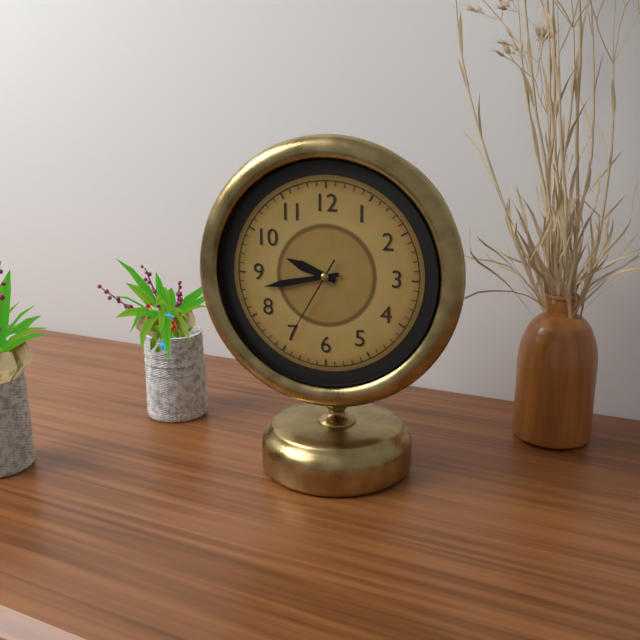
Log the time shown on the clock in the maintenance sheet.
9:43:35
